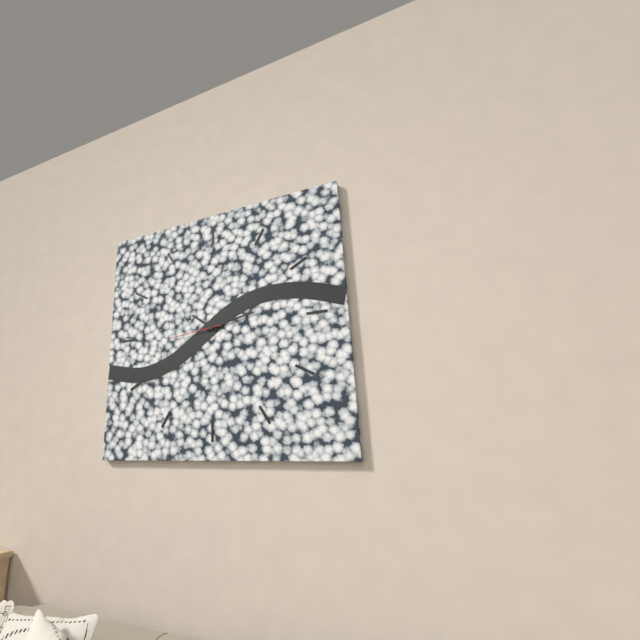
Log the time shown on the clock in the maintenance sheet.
10:13:44
